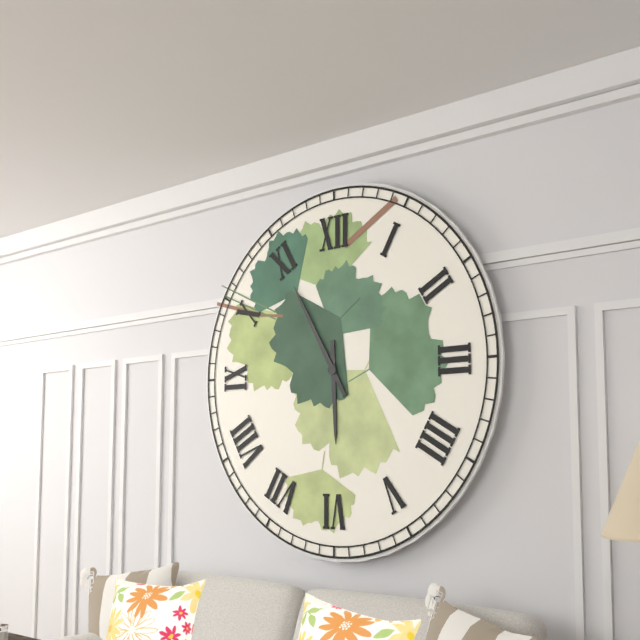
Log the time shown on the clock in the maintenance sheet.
5:55
